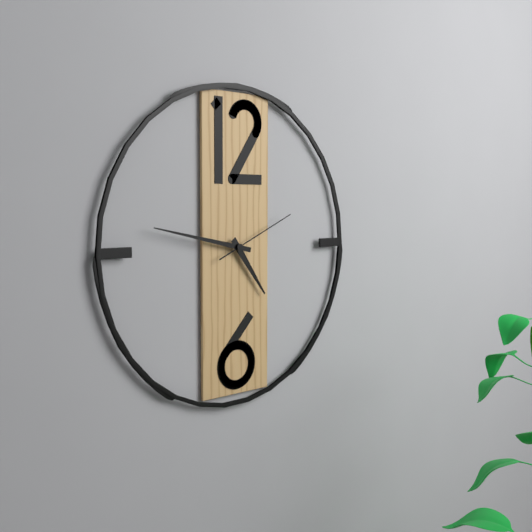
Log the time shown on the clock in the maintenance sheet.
4:47:11
